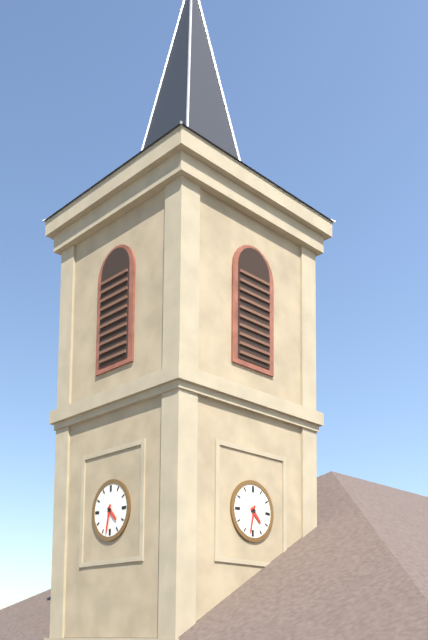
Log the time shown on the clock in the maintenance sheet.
4:32
